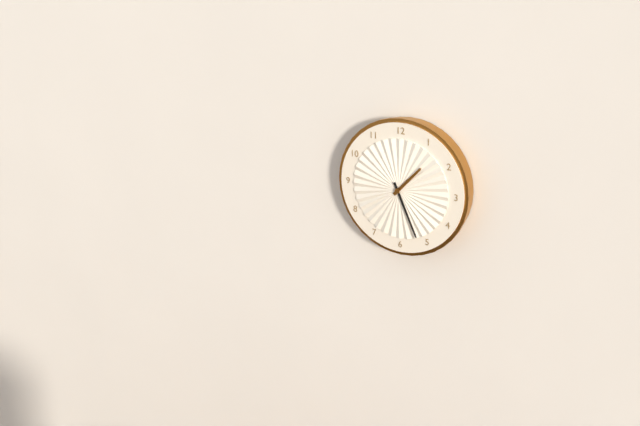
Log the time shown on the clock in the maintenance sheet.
1:26
